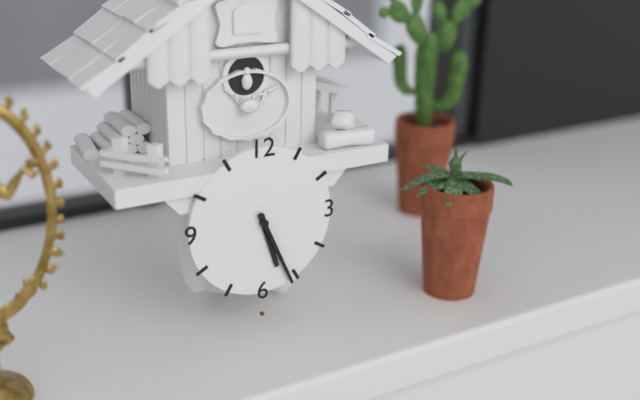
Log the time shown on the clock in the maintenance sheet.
5:26
